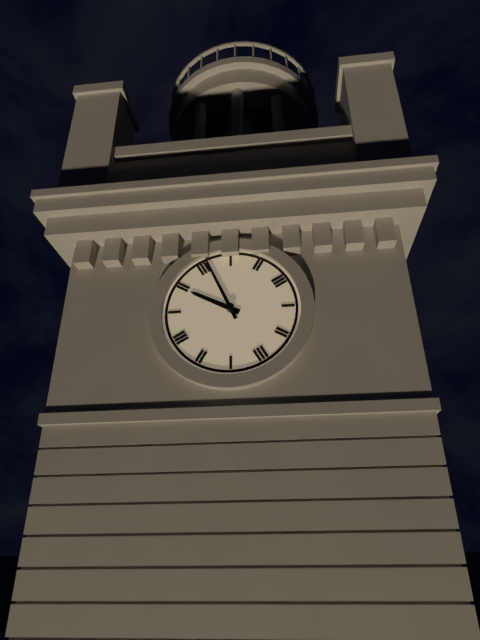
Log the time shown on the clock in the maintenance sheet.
9:56
